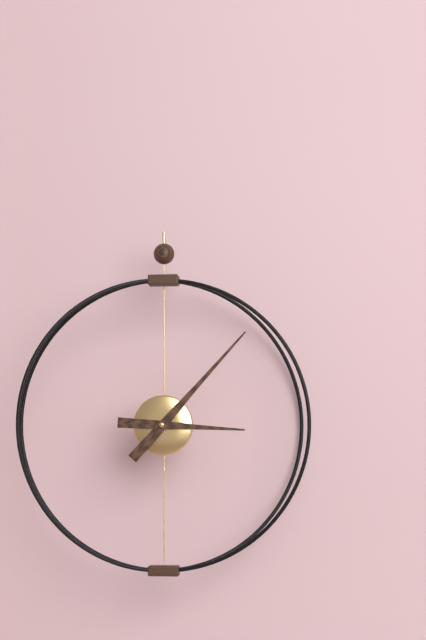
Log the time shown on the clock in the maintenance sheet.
3:07
